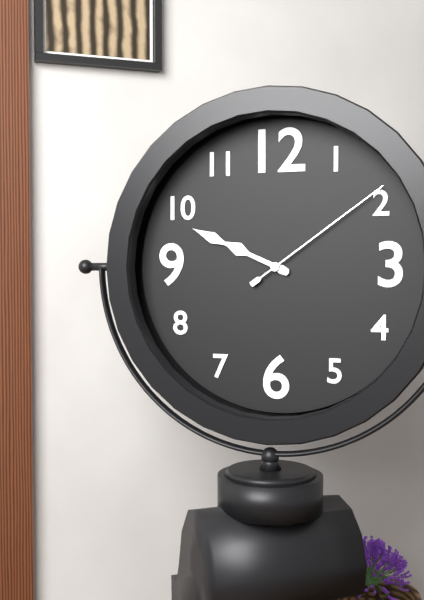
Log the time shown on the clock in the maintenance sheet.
9:49:09
